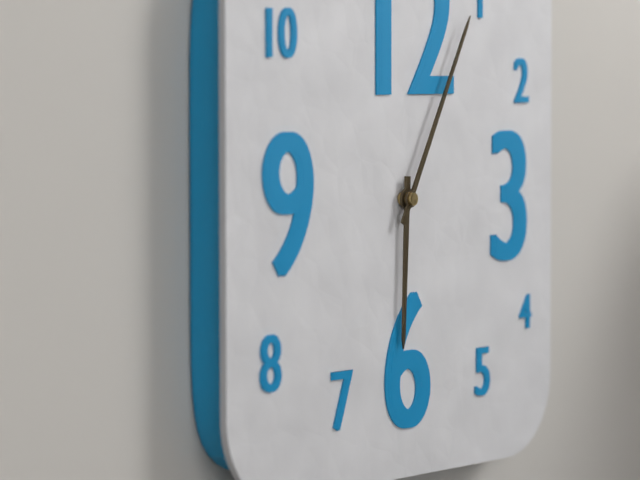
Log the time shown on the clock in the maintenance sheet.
6:05
